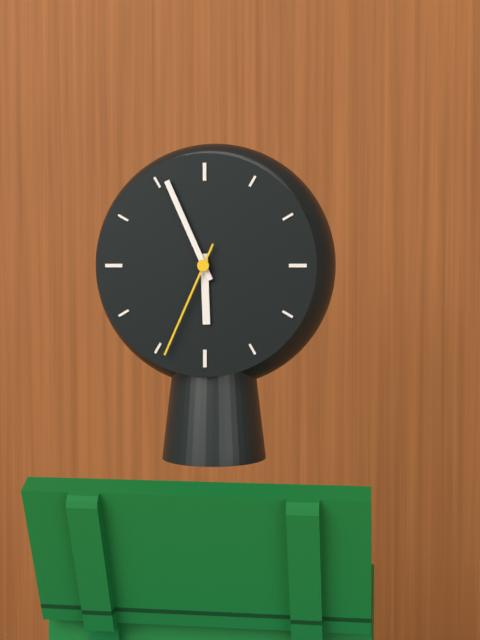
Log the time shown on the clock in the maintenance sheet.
5:56:34
